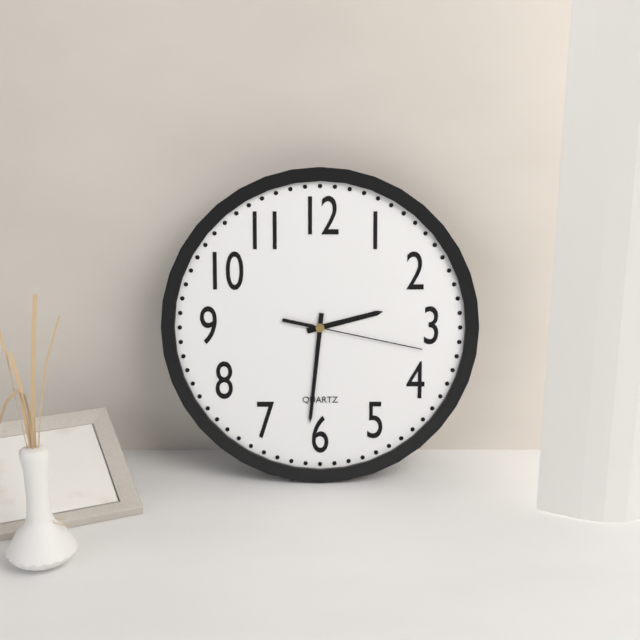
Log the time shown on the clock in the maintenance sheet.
2:31:17
